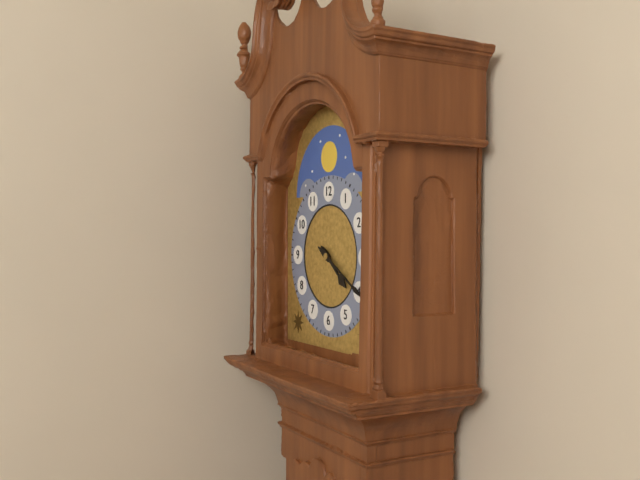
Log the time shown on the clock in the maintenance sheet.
4:20
